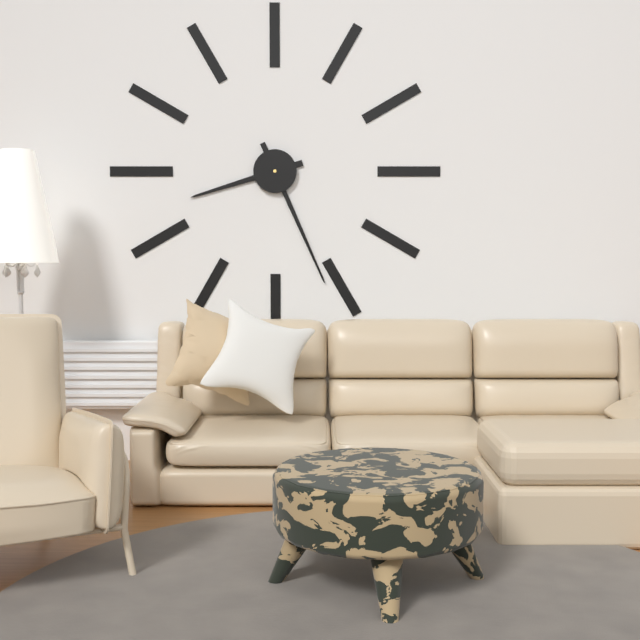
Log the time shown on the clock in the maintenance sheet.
8:26
